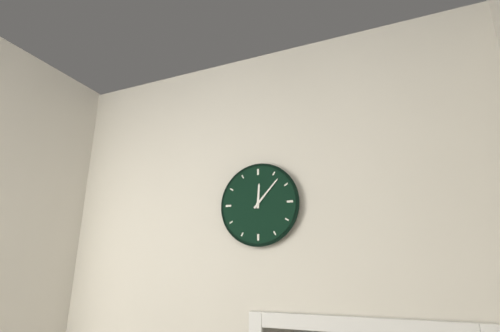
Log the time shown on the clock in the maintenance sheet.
12:07
